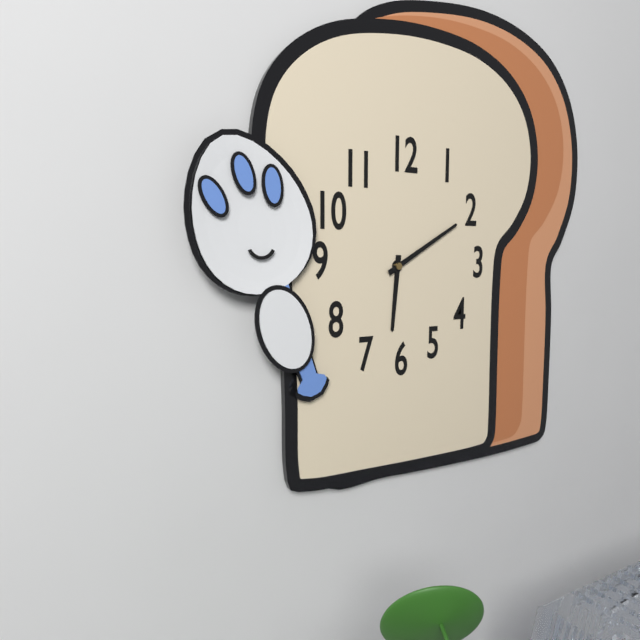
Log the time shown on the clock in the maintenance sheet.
6:10
